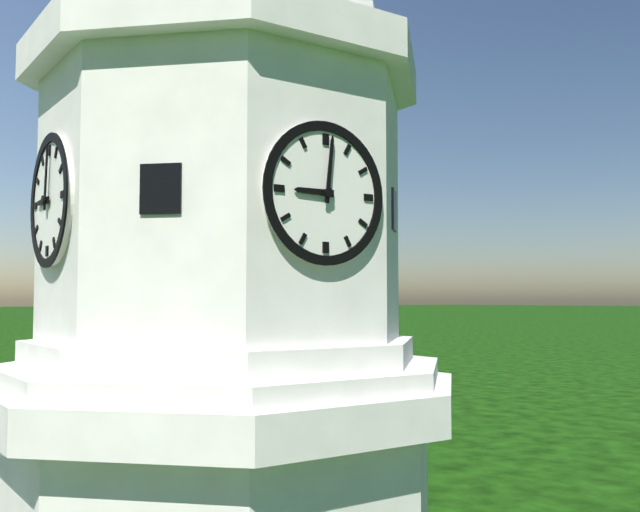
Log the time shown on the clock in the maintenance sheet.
9:01
